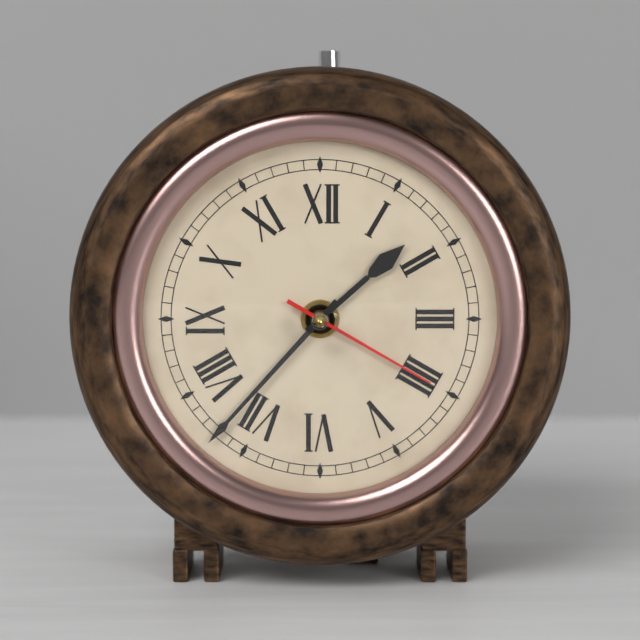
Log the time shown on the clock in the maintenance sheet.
1:37:20
